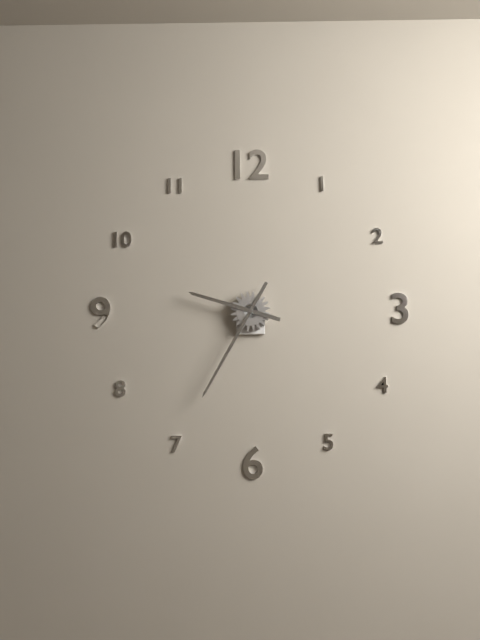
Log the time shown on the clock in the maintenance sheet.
9:35
